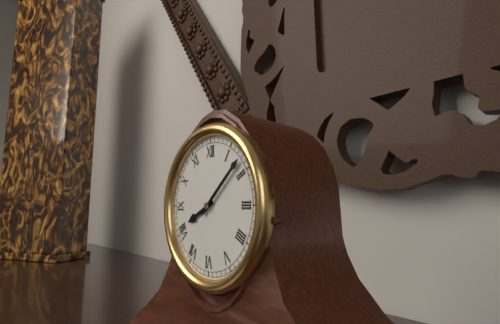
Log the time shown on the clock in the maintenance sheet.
8:08
